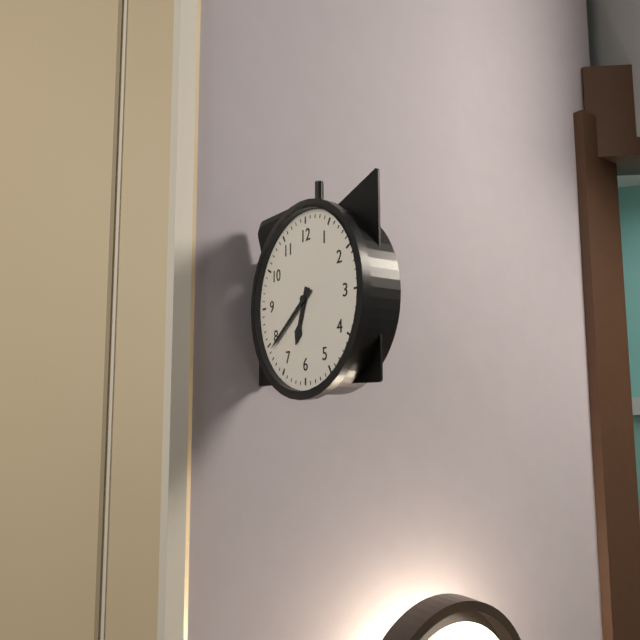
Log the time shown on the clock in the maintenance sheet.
6:39
